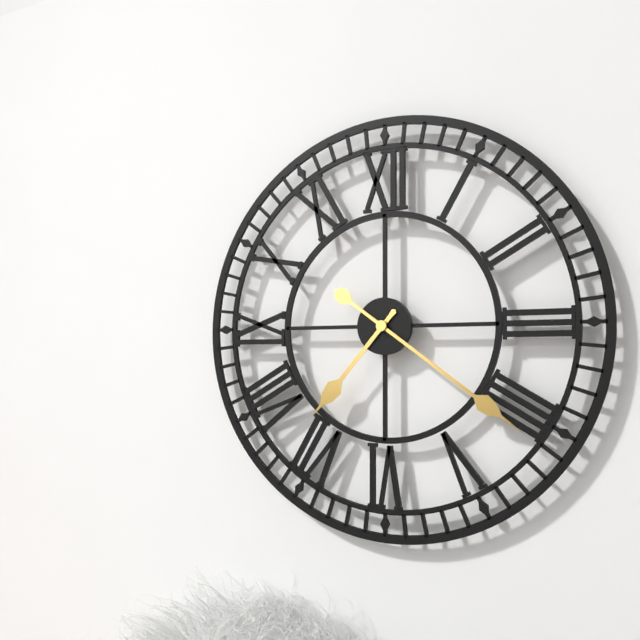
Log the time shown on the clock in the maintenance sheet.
7:21
